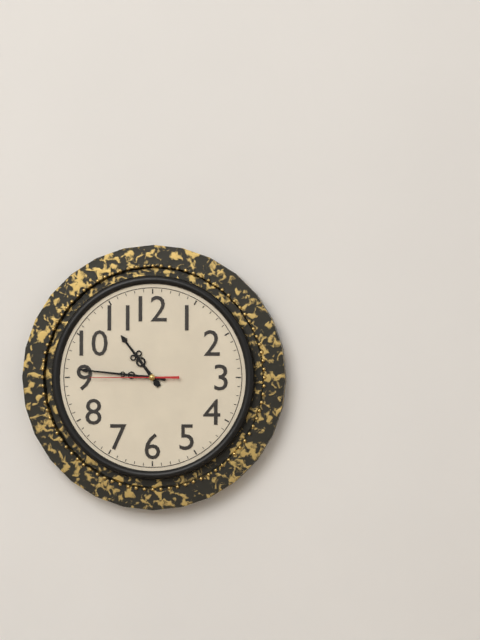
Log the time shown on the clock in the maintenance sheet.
10:46:45
